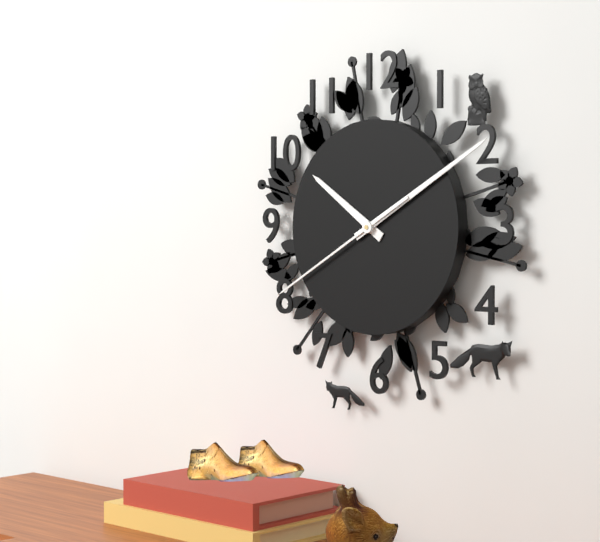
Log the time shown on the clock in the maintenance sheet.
10:10:40
